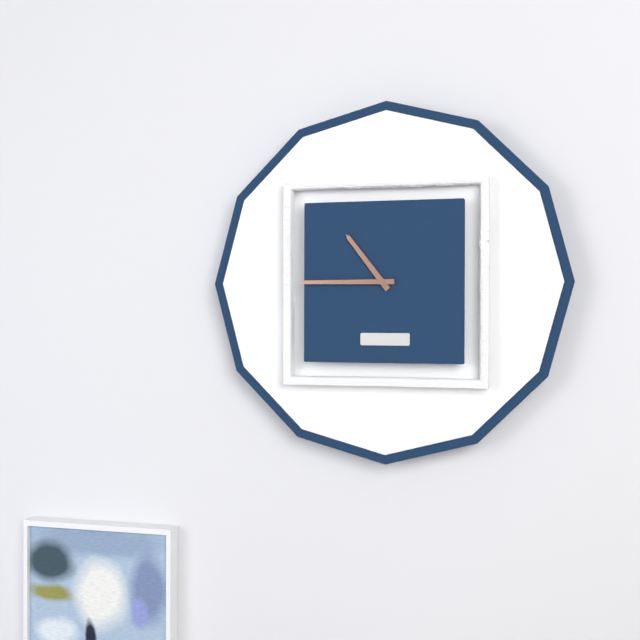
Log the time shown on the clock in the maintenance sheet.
10:45
